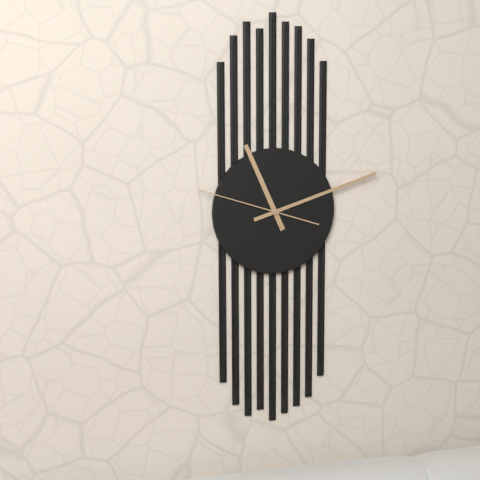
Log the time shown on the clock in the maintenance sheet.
11:12:48
